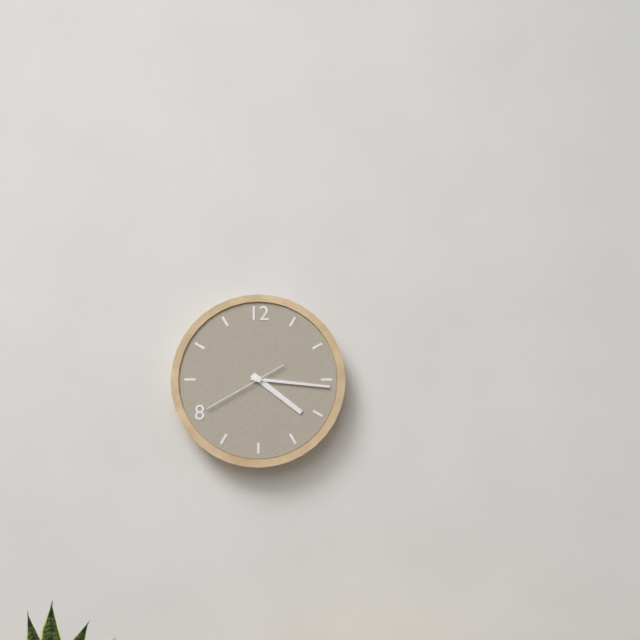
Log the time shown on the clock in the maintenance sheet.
4:16:40
